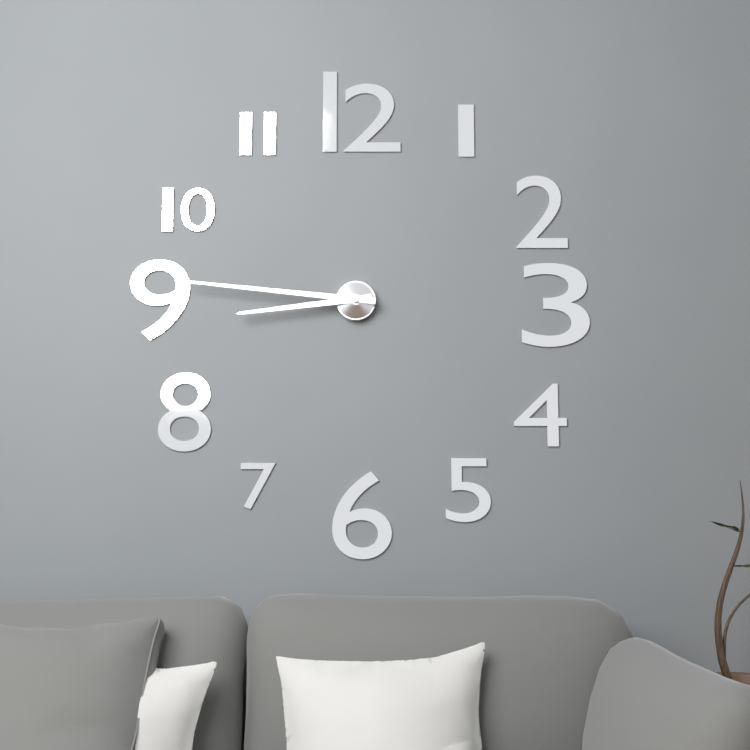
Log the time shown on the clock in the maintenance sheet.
8:46
